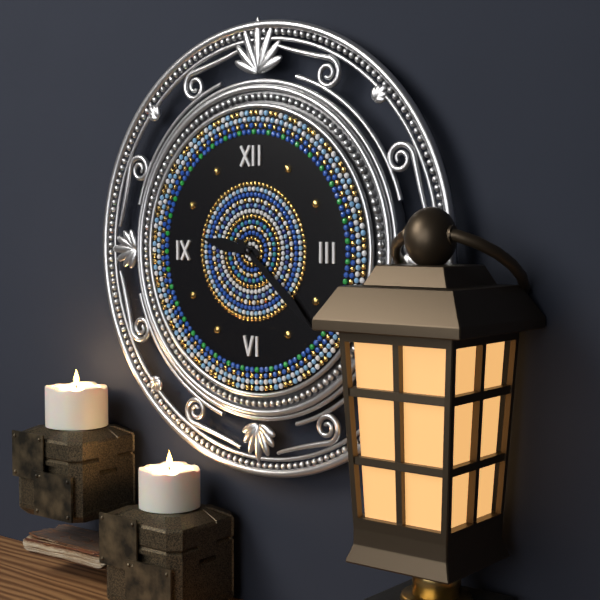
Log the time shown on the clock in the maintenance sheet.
9:22
